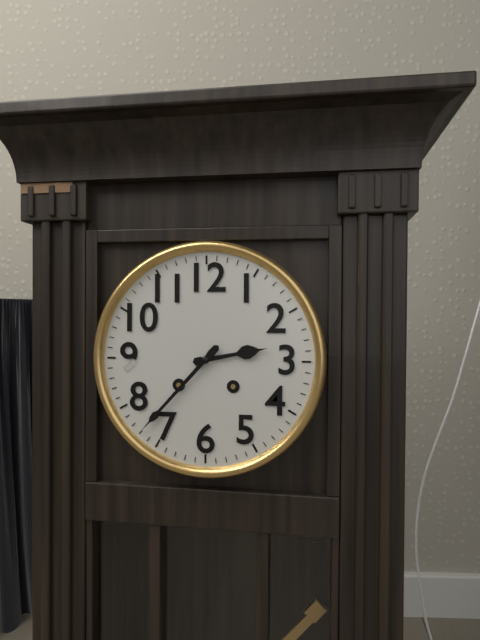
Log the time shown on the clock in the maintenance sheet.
2:37
